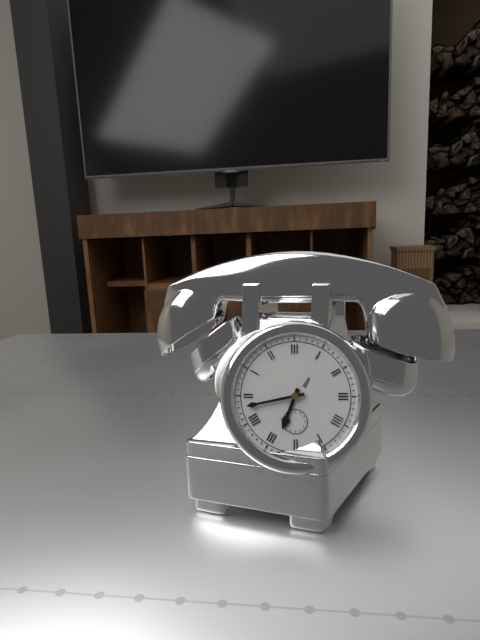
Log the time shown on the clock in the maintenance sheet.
6:43
